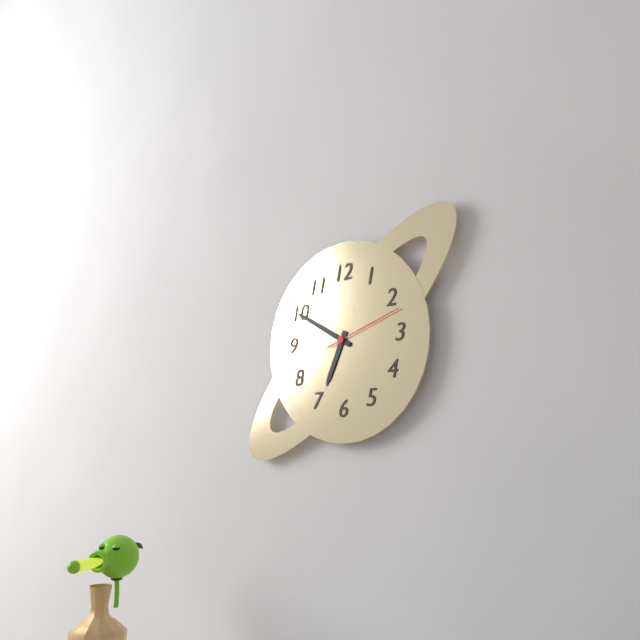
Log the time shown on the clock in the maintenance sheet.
6:50:12
